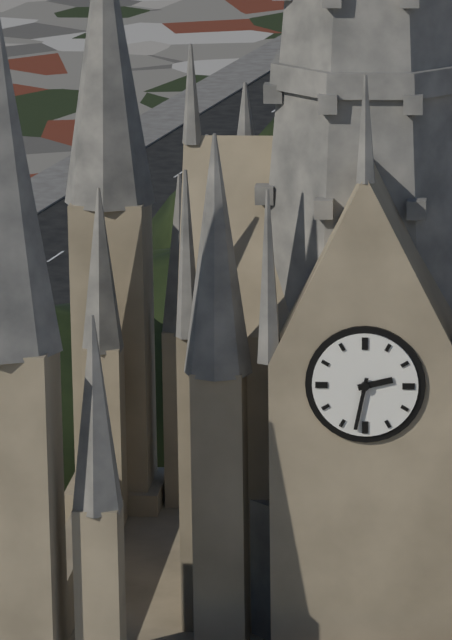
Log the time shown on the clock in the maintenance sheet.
2:32
